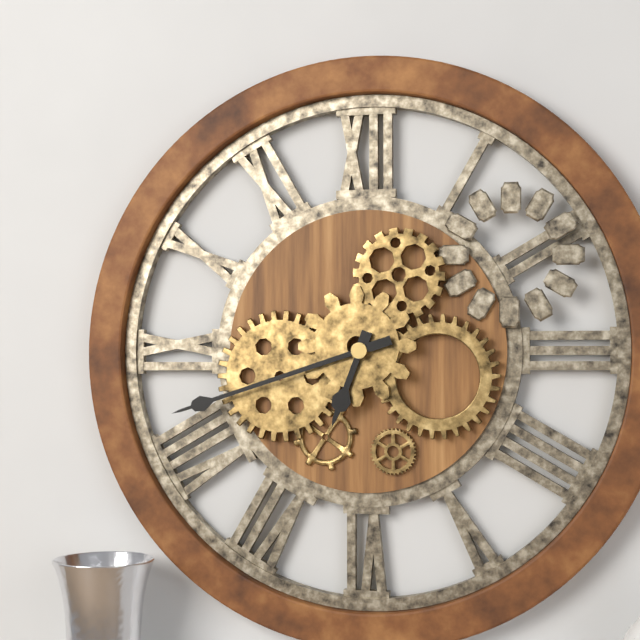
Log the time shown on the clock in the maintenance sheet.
6:42
